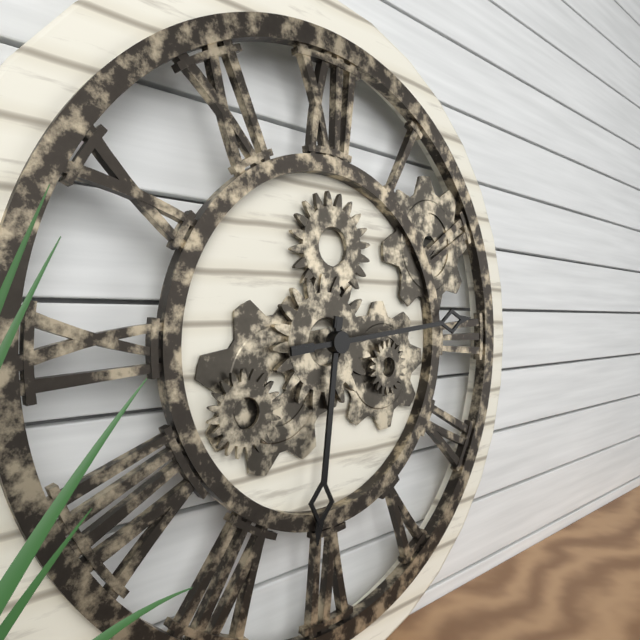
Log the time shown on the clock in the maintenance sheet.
6:14
